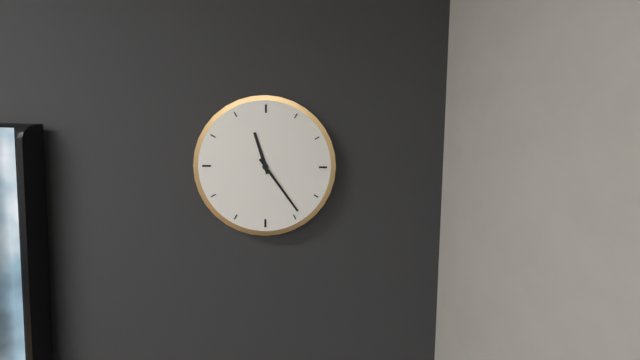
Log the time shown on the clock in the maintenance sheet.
11:24
